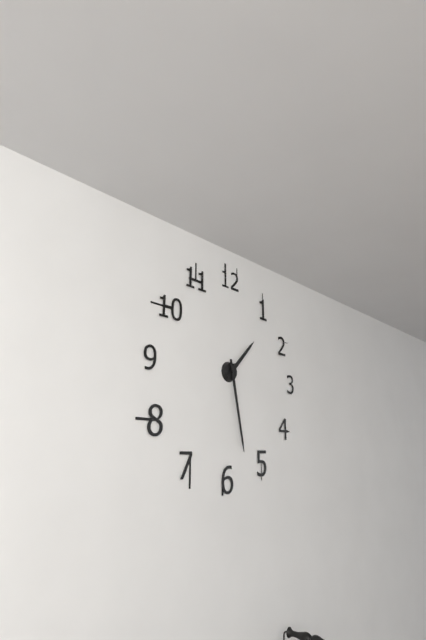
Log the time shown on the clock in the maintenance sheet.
1:28
